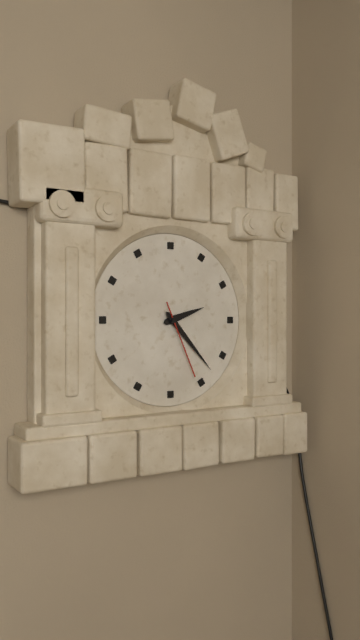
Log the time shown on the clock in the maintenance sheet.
2:23:26
